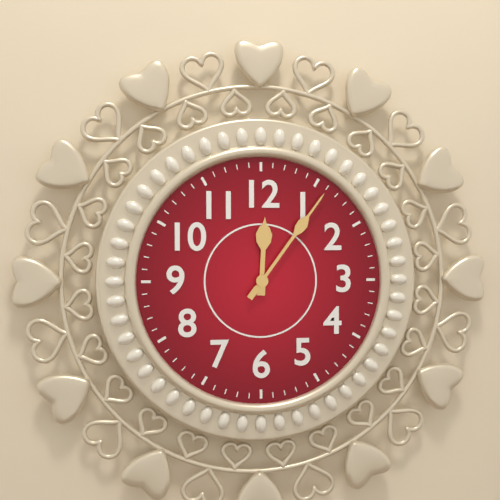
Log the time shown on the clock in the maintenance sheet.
12:06
